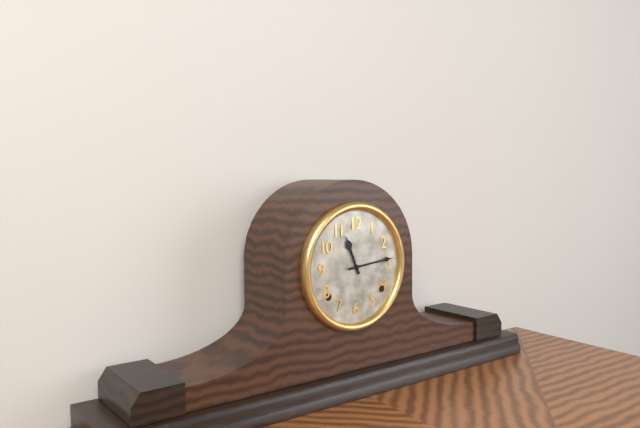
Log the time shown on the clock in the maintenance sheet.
11:14
